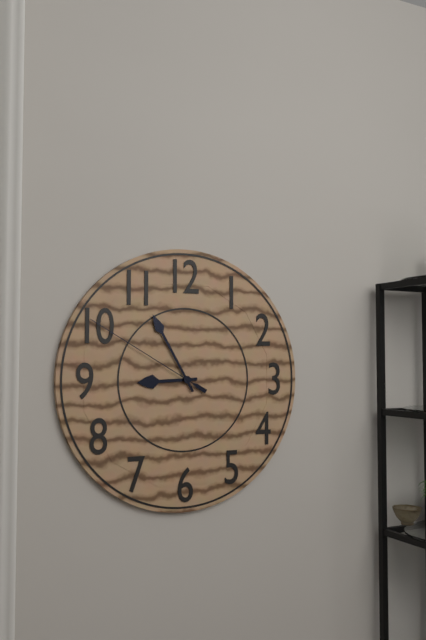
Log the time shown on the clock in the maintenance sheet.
8:55:50
